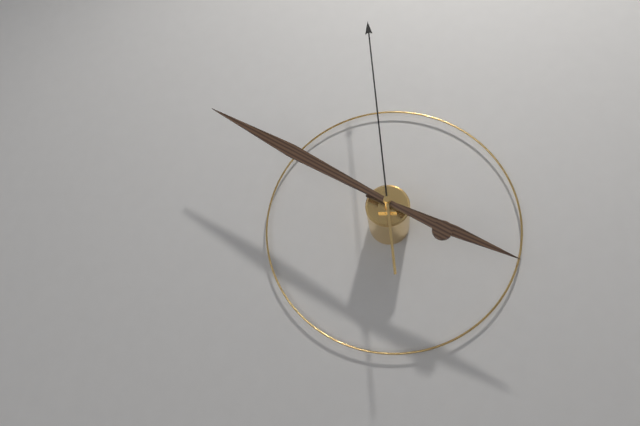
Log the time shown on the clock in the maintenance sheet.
3:50:59
